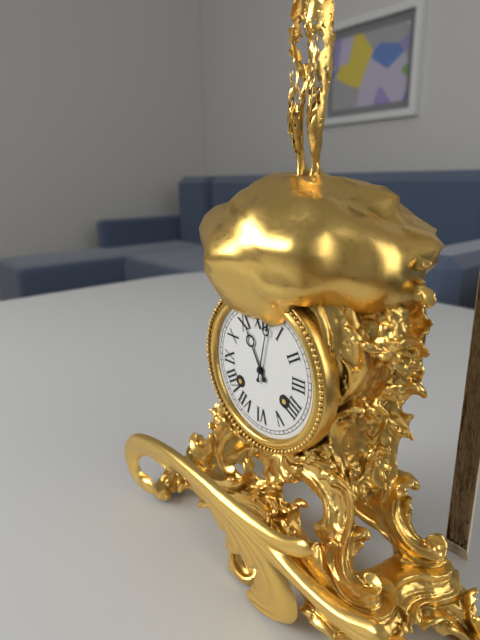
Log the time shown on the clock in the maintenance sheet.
11:02
